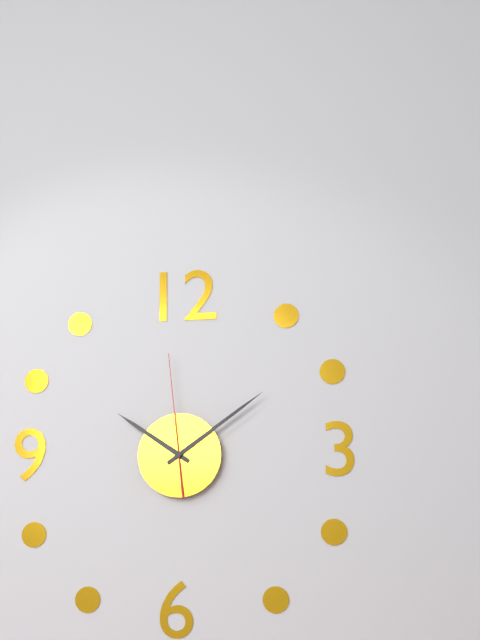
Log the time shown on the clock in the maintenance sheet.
10:09:59
